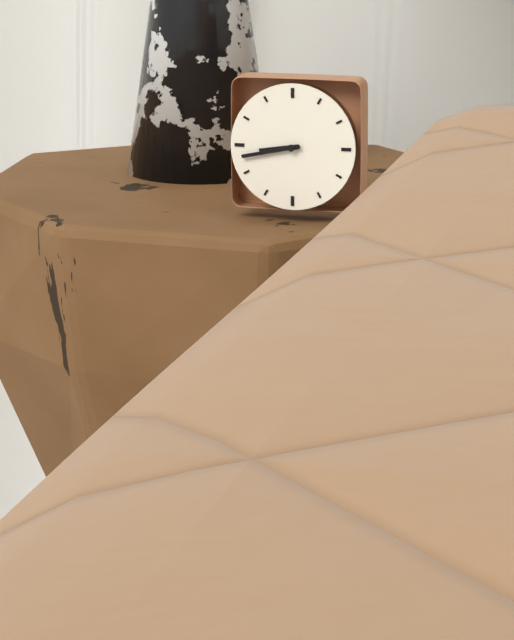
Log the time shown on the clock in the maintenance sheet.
8:43
